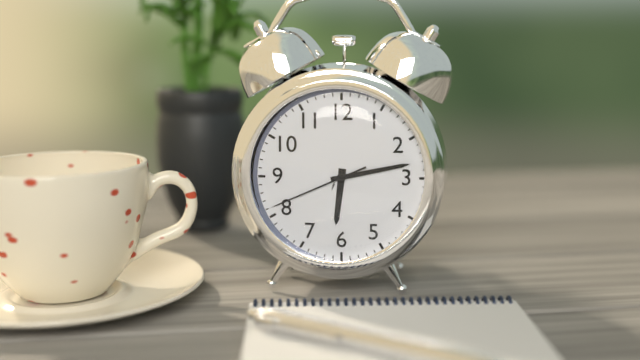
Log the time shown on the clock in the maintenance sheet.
6:13:41
